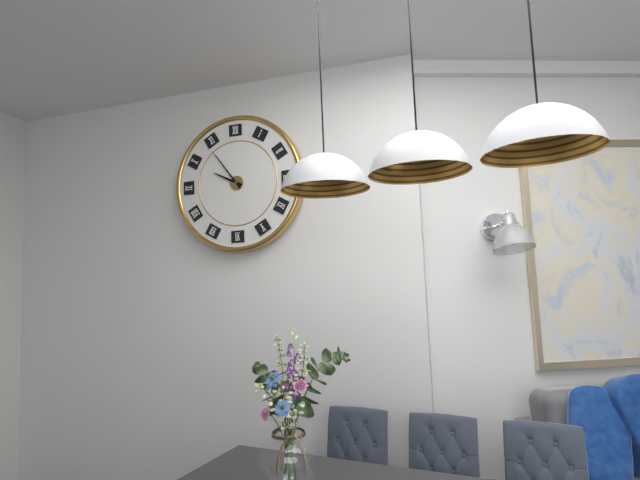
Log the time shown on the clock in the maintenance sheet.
9:54
